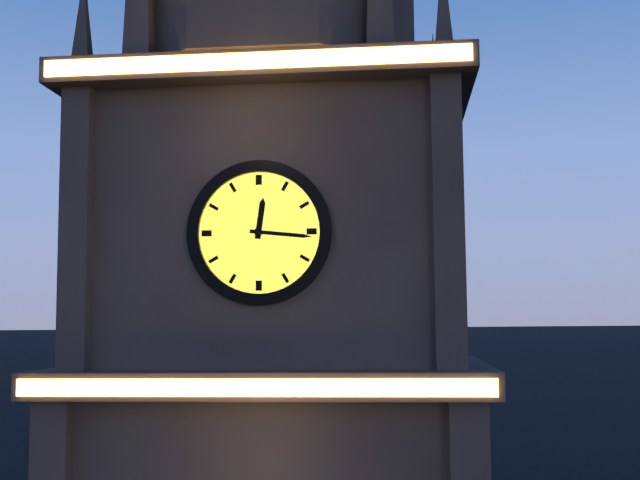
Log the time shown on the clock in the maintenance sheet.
12:16
